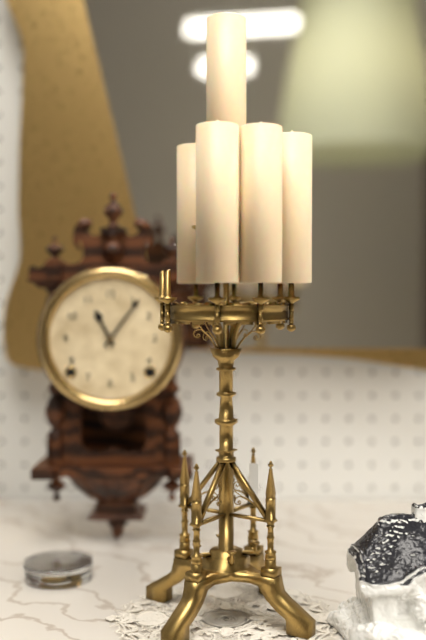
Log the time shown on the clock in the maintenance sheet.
11:06
